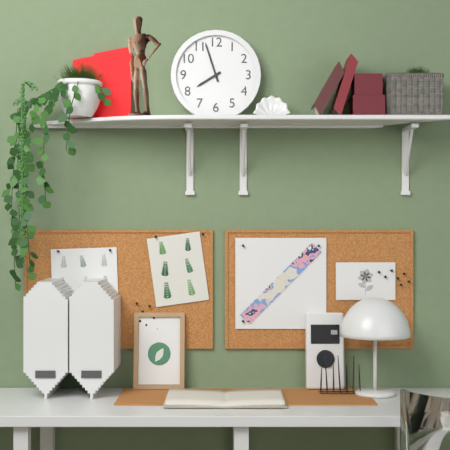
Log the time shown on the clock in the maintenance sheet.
7:57
